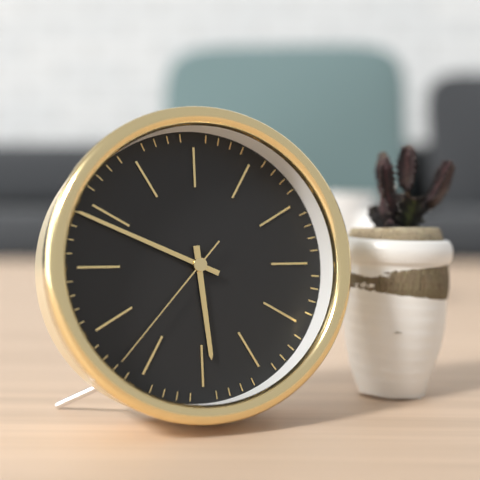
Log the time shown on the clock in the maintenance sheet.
5:49:37
